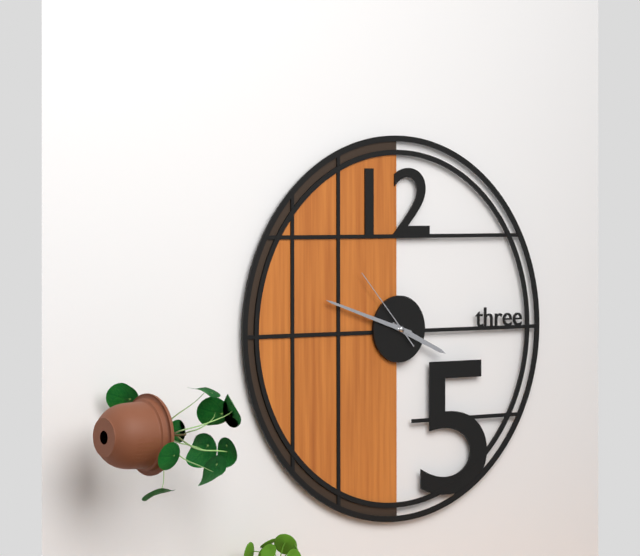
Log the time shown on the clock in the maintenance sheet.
3:48:53
